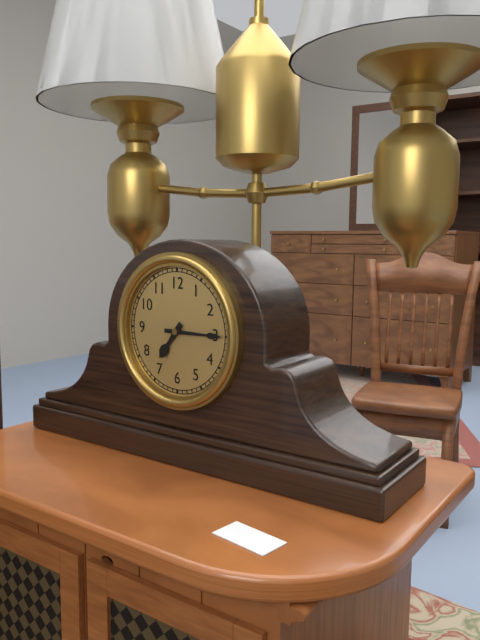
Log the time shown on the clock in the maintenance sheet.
7:15
